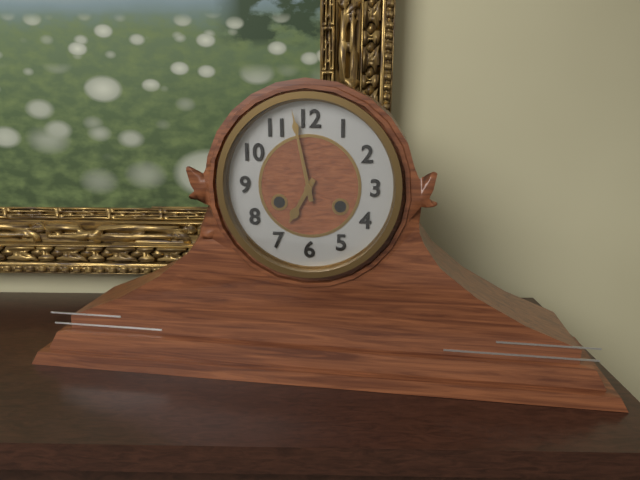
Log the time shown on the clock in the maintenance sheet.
6:58
